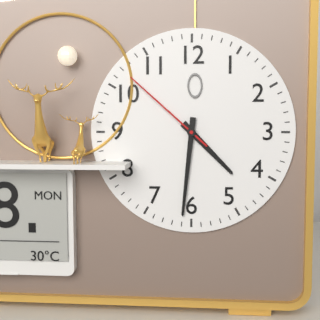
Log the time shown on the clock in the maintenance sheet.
4:31:52
